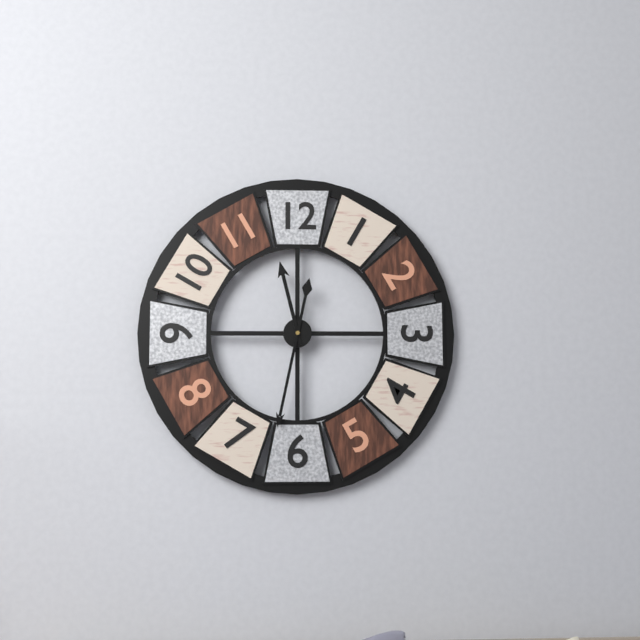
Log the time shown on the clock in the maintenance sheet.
11:32
